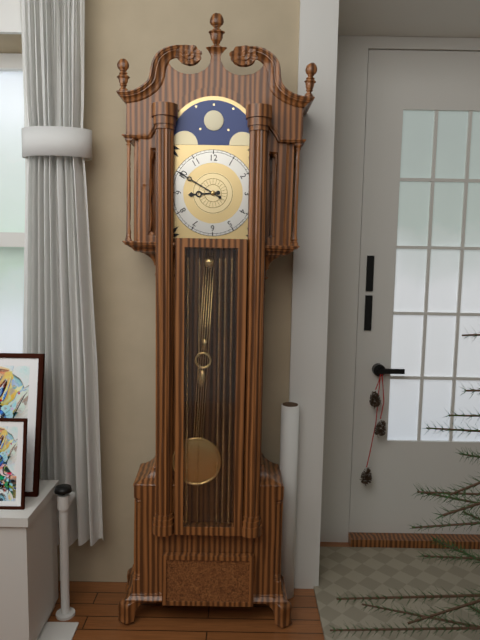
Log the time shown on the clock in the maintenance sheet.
8:50
